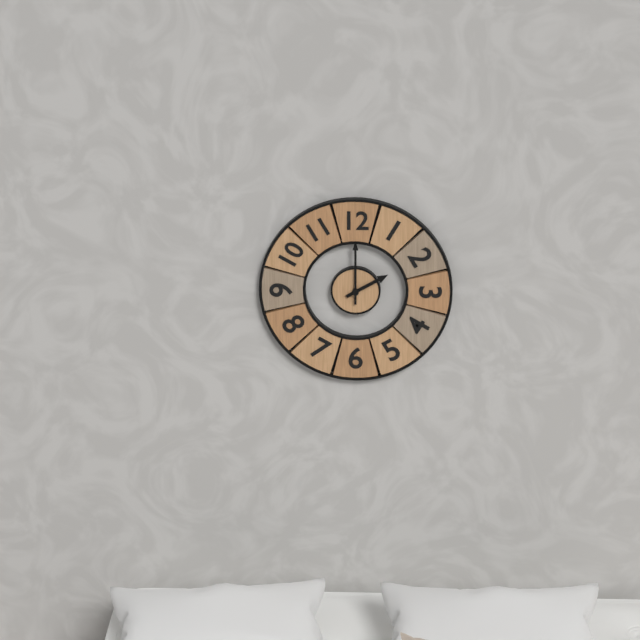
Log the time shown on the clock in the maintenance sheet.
2:00
